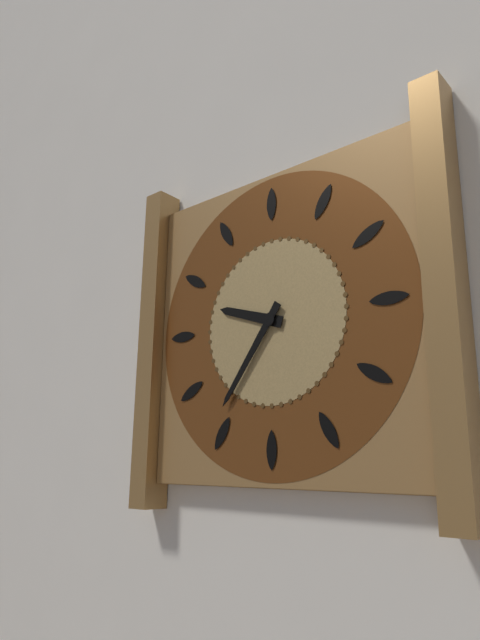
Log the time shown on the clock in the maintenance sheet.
9:36
